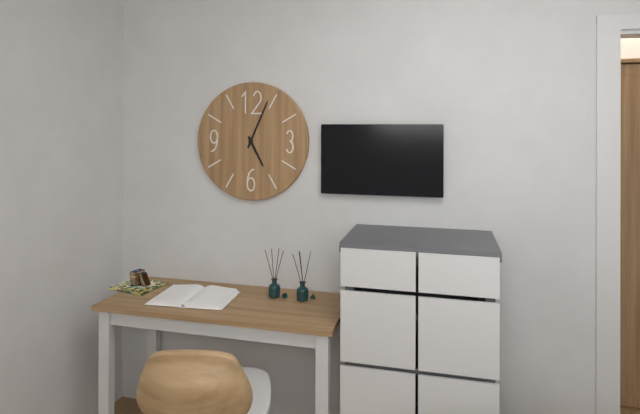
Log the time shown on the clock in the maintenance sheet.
5:04
